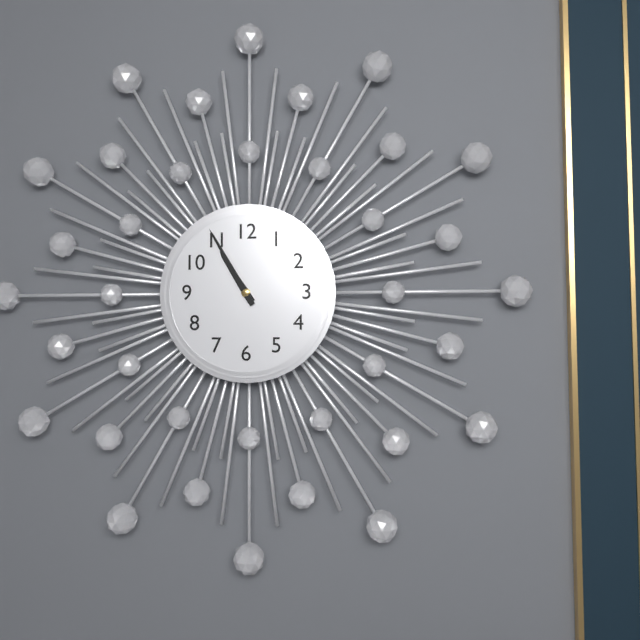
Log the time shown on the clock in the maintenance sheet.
10:55
